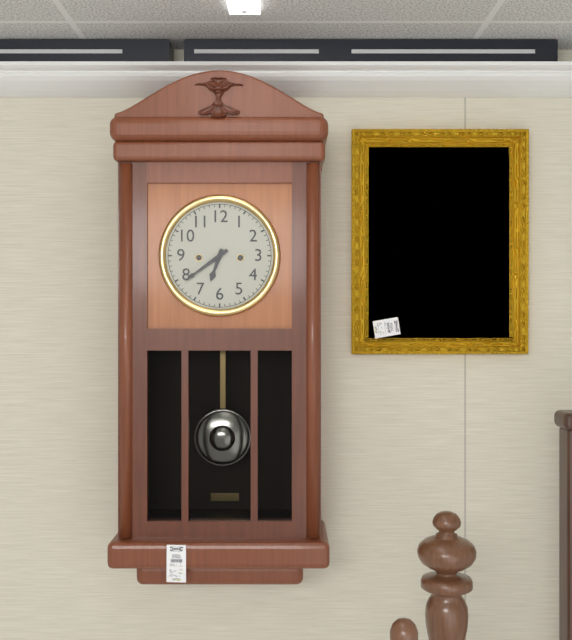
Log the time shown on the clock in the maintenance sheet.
6:39
